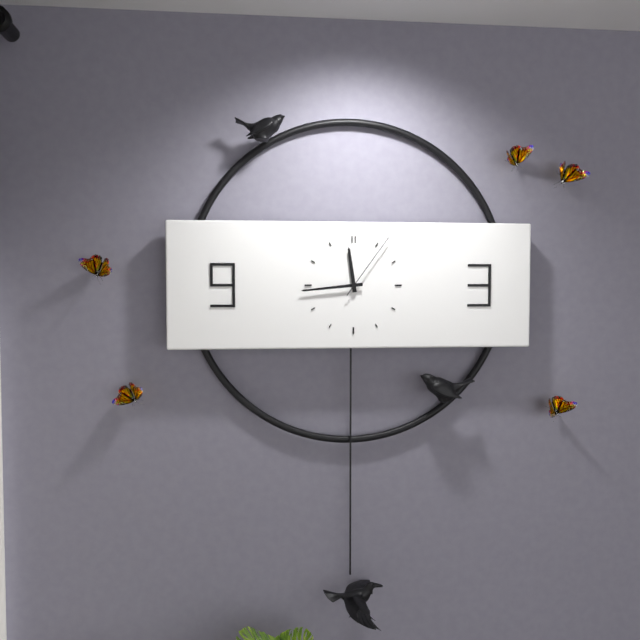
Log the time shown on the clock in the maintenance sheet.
11:44:06
